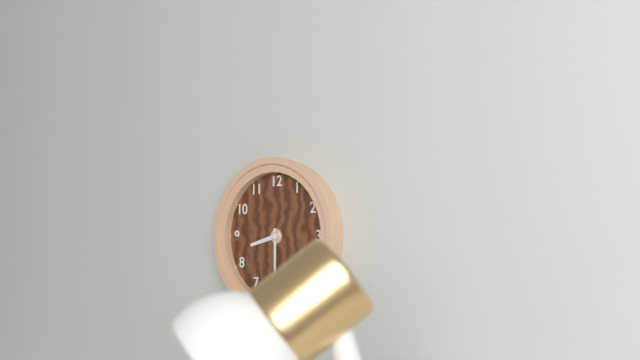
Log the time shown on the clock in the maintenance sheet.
8:30
